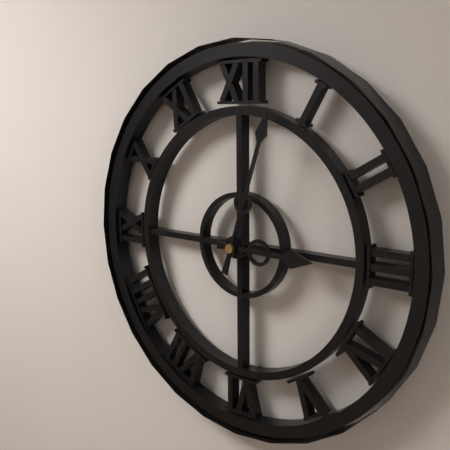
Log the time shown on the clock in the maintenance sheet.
3:03
